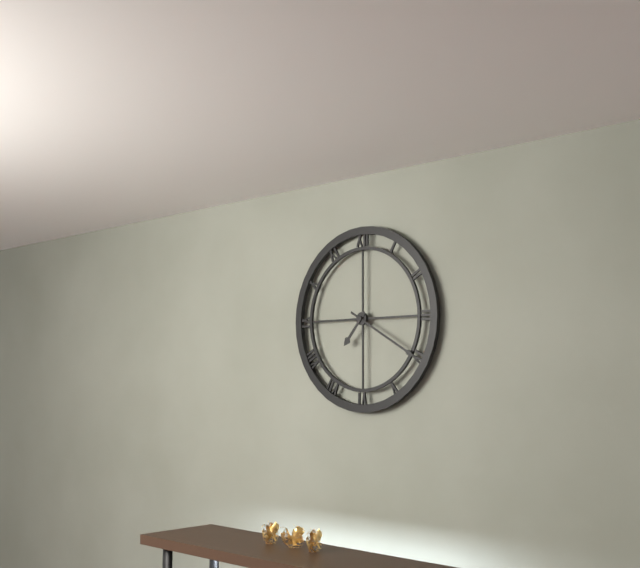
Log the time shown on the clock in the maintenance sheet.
7:20
